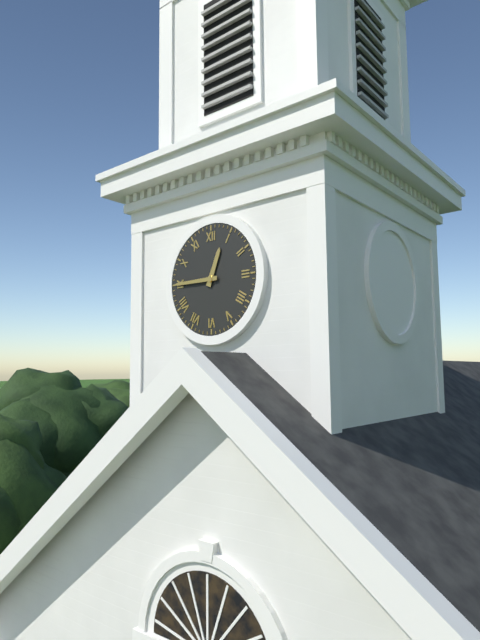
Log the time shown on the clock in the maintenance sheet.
12:45
